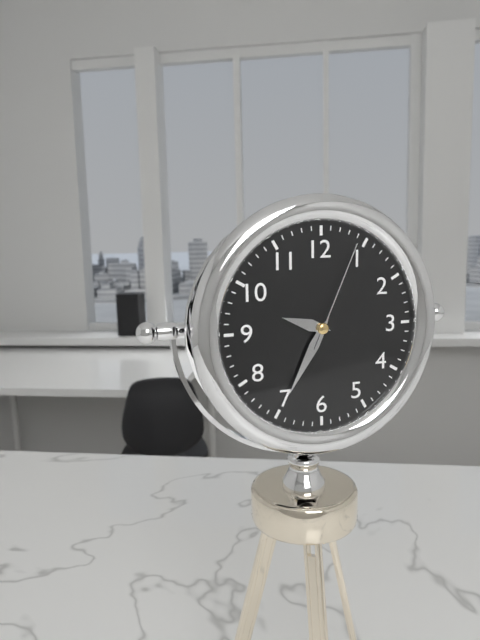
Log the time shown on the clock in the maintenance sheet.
9:35:04
